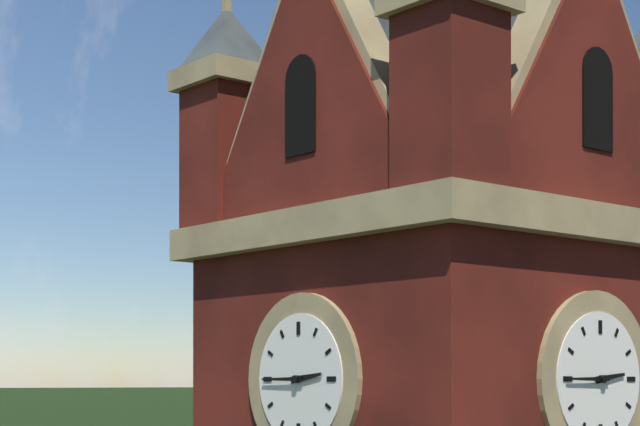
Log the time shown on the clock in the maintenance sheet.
2:45
